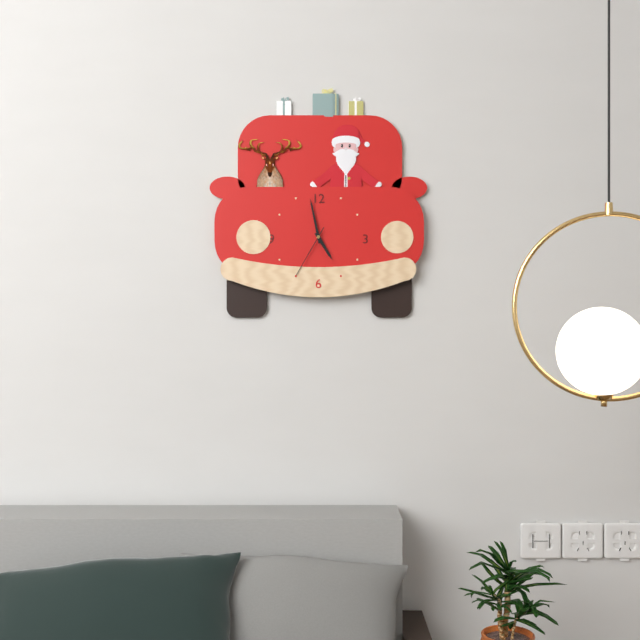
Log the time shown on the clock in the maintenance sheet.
4:58:35
